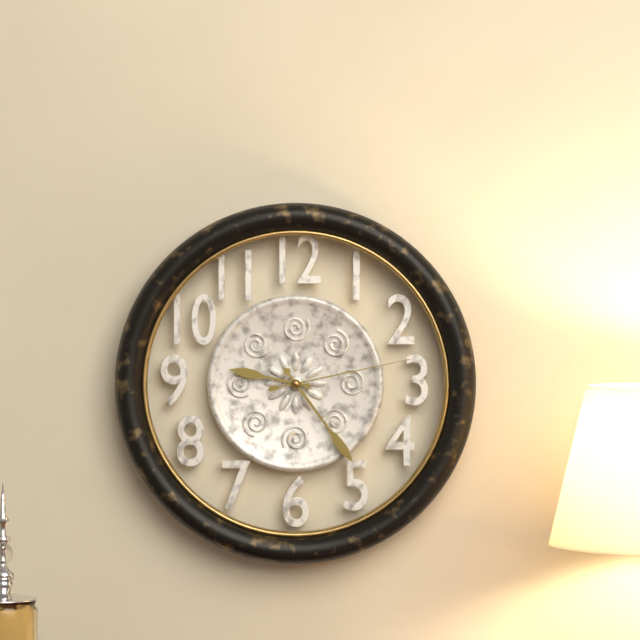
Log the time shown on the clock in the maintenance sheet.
9:24:13
